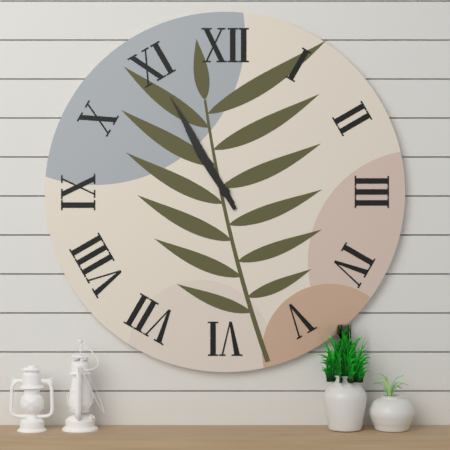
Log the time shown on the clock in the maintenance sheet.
10:55
